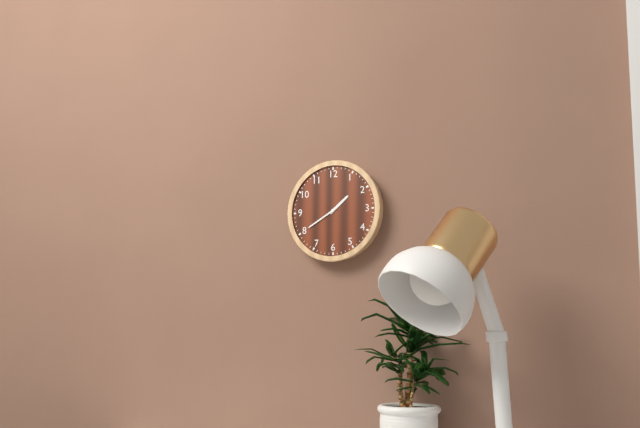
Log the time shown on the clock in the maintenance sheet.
1:40
